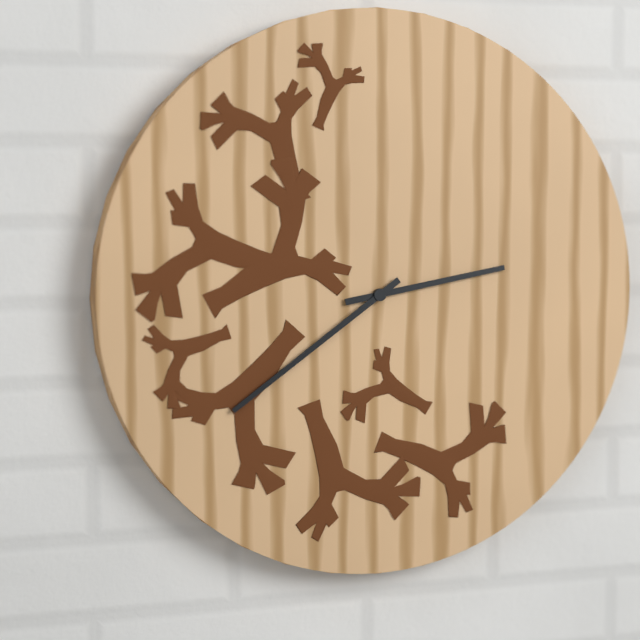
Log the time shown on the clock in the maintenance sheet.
2:39
